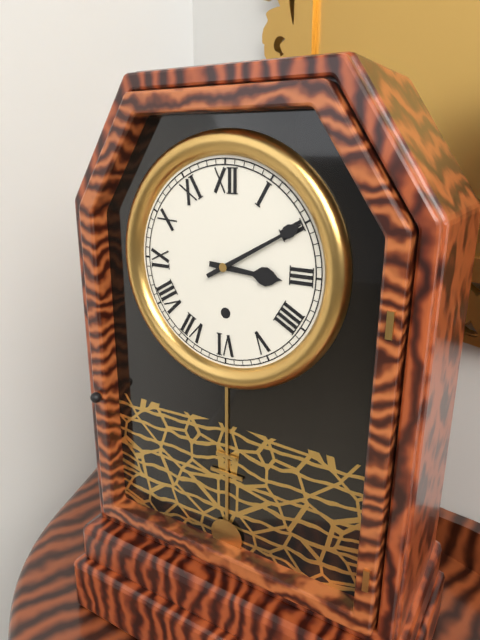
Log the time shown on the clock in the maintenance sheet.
3:10
